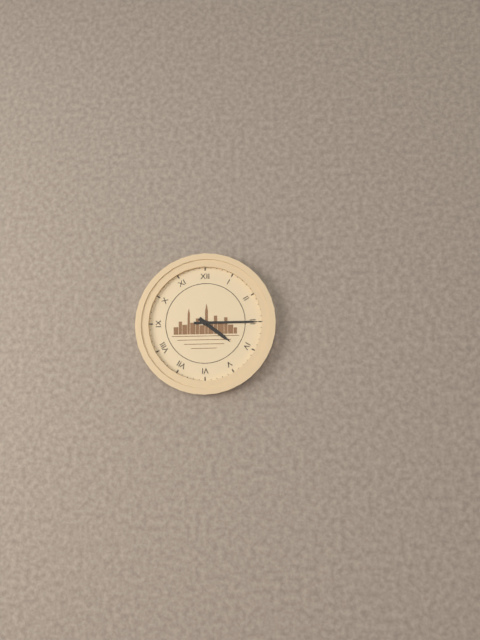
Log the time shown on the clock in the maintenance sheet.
4:15
